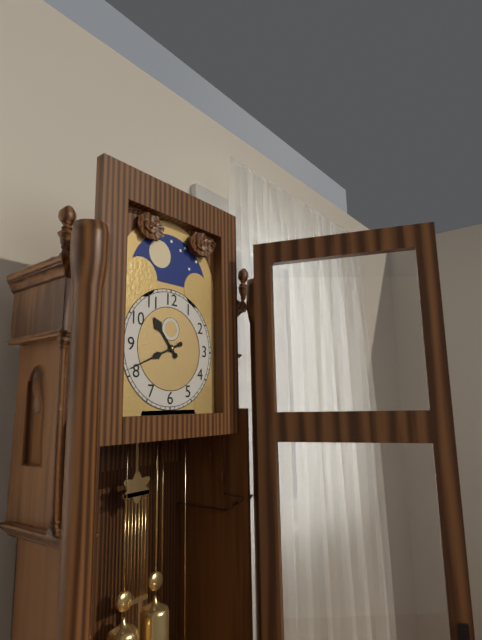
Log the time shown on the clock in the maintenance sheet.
10:41
